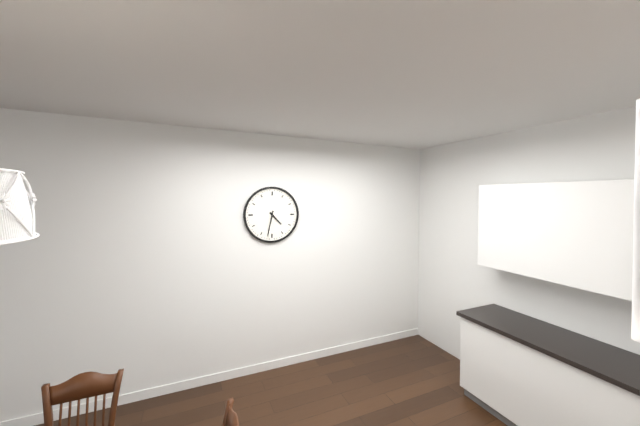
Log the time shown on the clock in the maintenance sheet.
4:32
